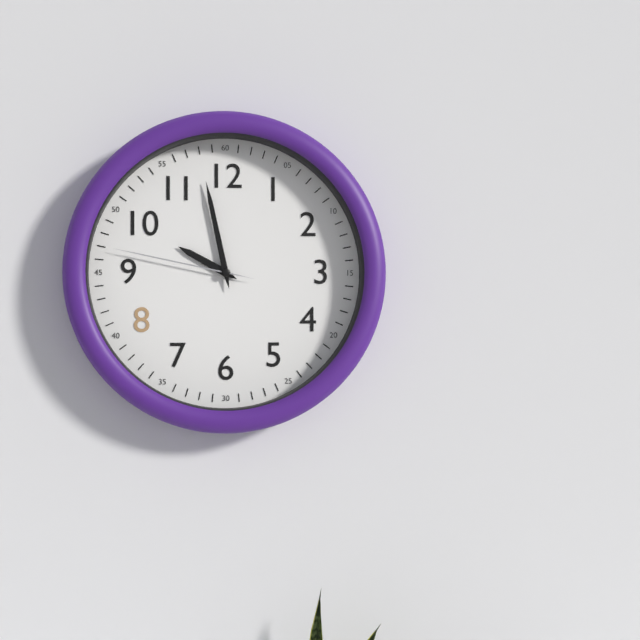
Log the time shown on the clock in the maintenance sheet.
9:58:47
